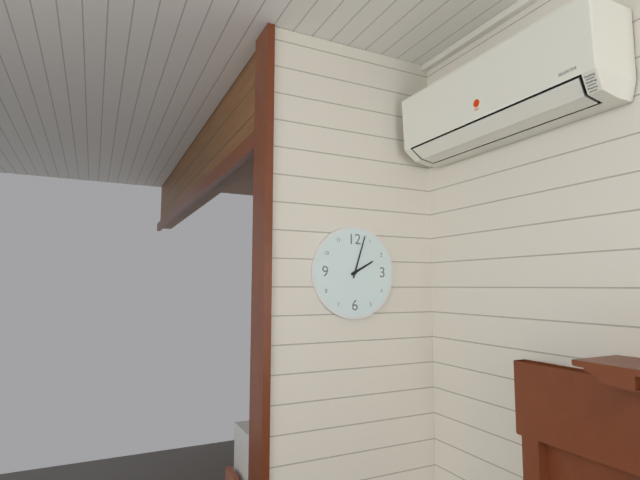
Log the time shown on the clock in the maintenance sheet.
2:03
